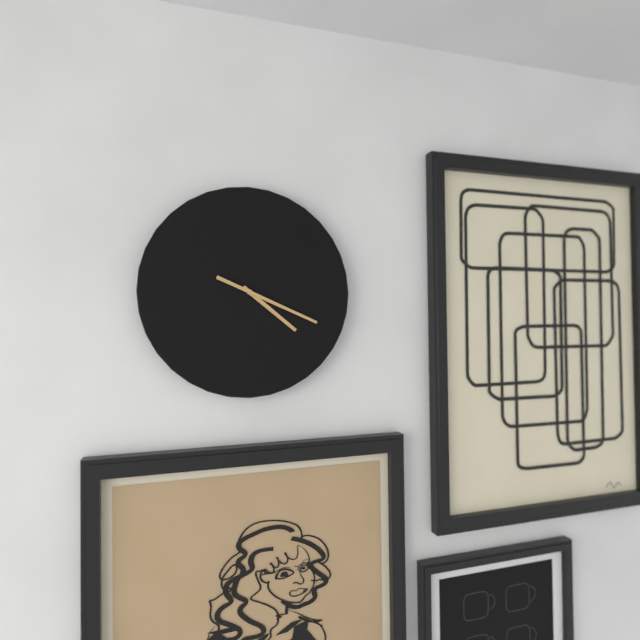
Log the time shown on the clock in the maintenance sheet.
4:19
